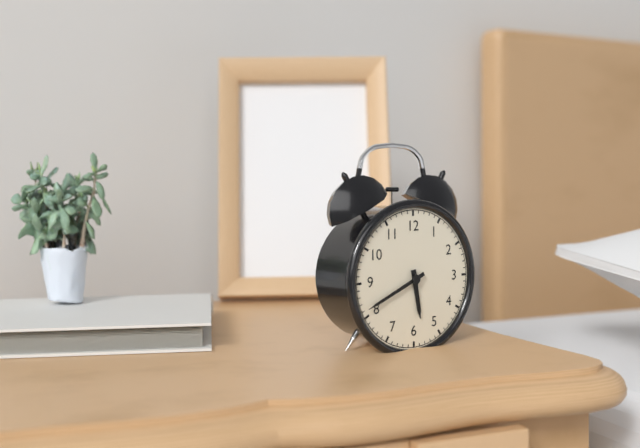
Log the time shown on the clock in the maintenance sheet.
5:41
